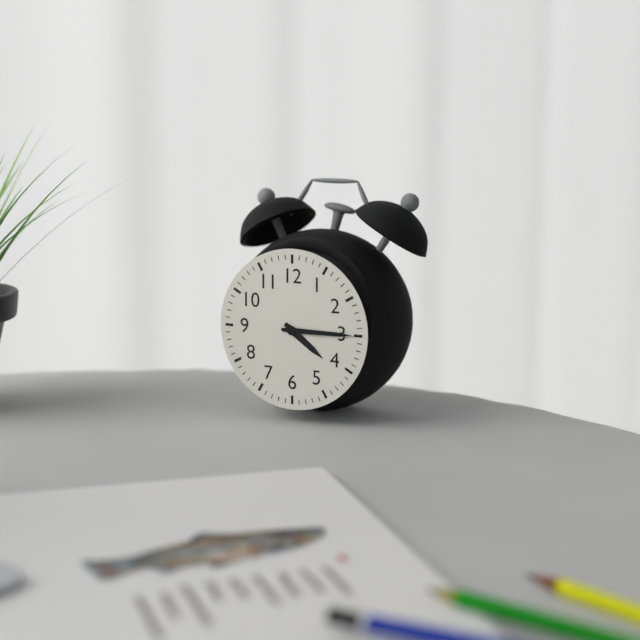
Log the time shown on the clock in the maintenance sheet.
4:15
